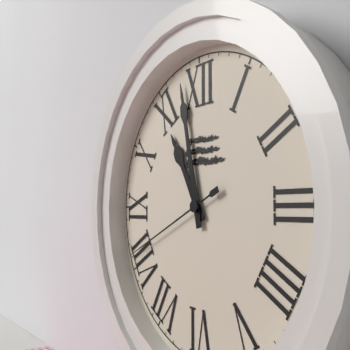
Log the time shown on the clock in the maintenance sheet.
10:58:41
